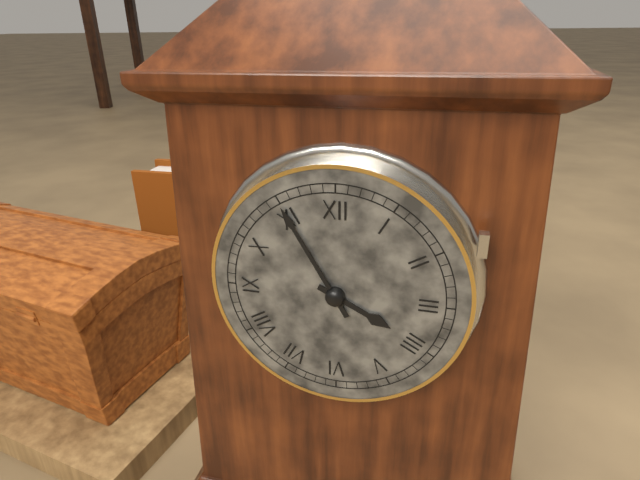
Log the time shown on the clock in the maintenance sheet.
3:55
